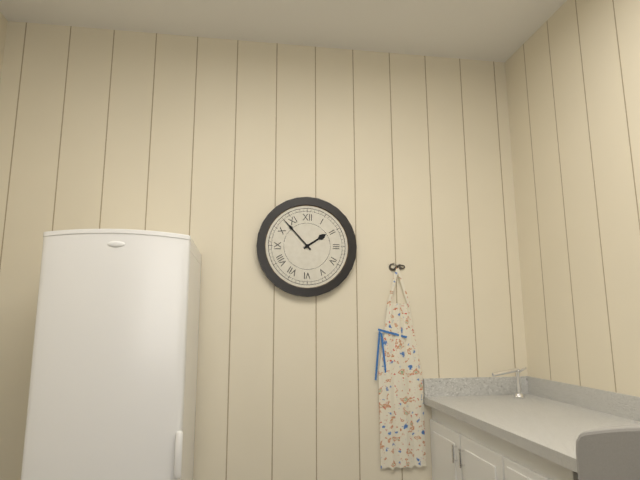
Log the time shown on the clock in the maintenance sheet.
1:53
